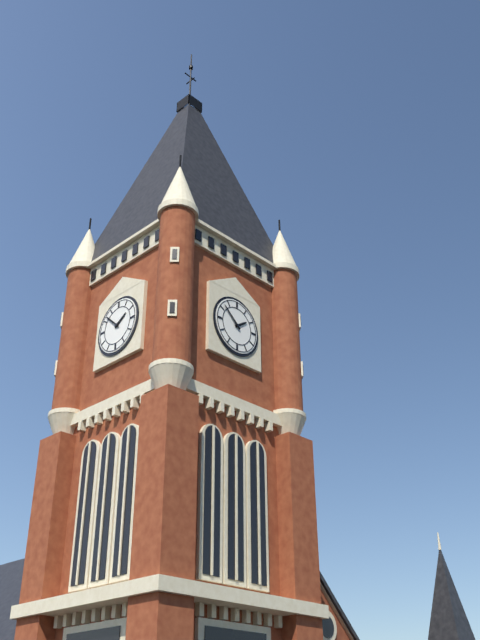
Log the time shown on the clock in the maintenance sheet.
1:52
